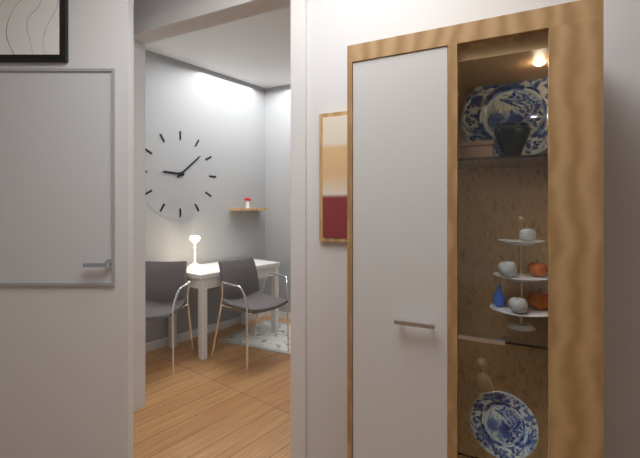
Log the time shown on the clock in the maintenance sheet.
9:08
